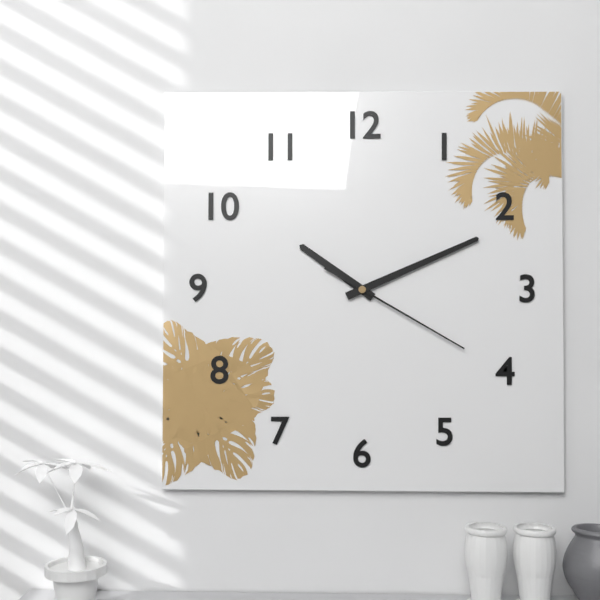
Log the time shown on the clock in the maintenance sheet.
10:11:20
